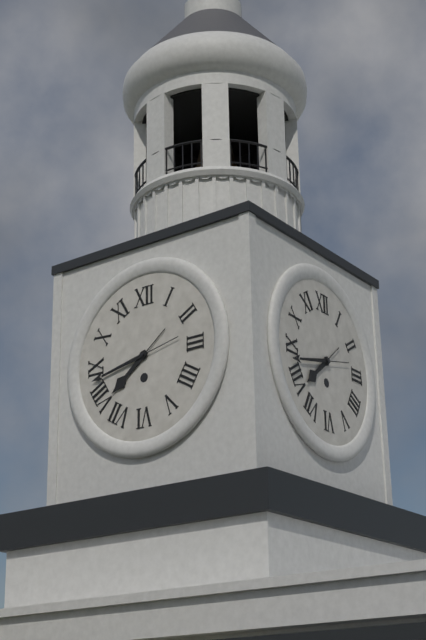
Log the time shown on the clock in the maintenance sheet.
7:43
